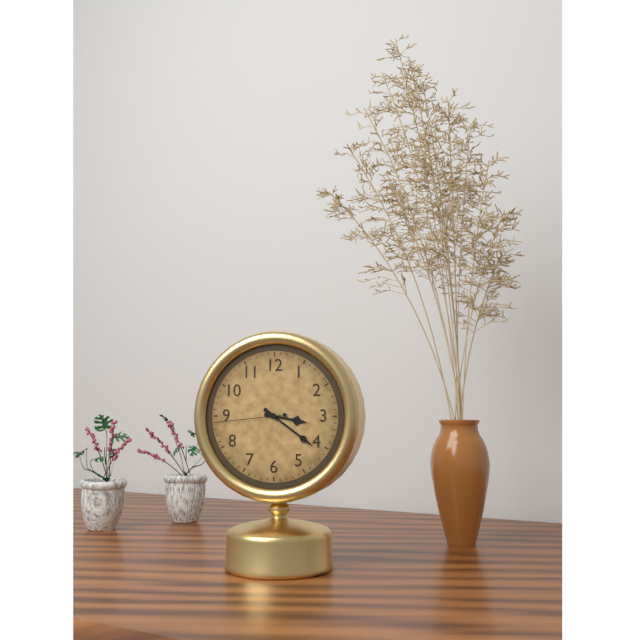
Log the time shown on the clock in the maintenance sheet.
3:21:44
